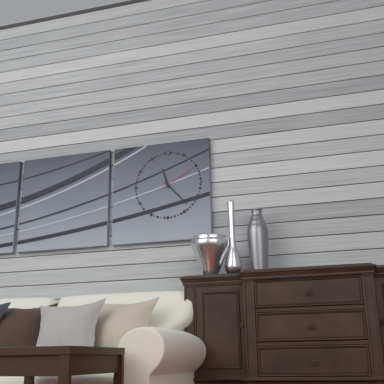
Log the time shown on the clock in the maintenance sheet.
11:23
